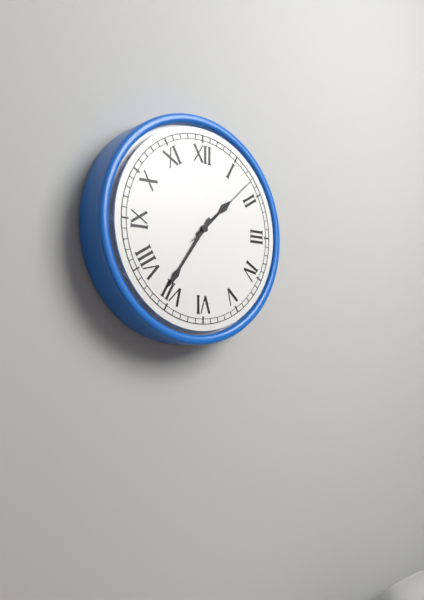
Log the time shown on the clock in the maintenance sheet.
1:36:08
